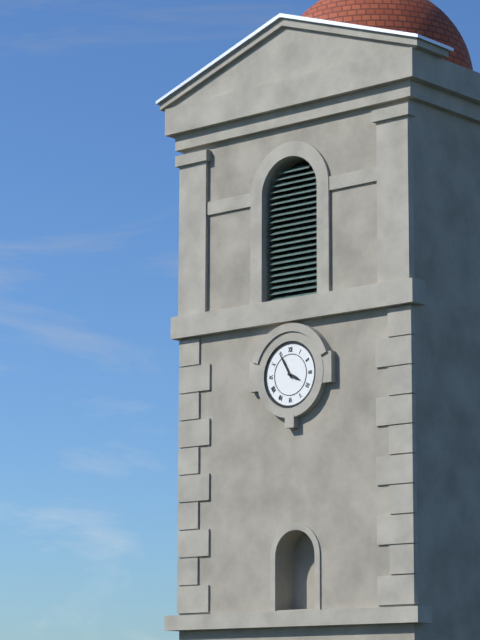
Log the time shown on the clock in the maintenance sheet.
3:55
